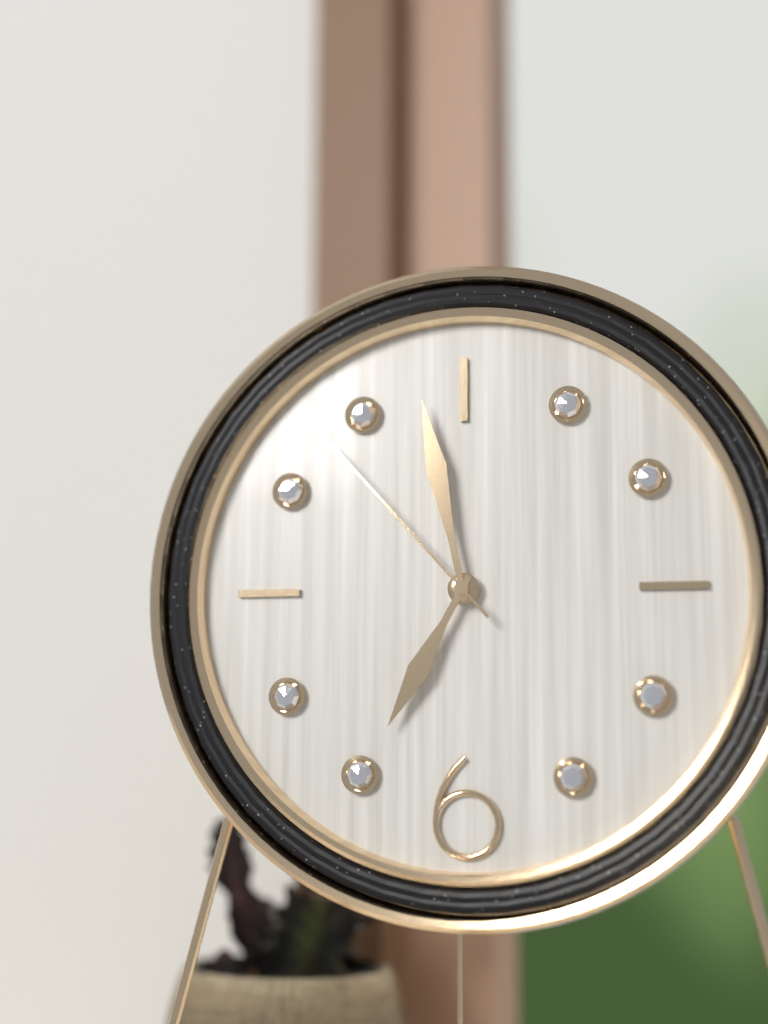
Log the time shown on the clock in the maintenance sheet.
6:58:53
